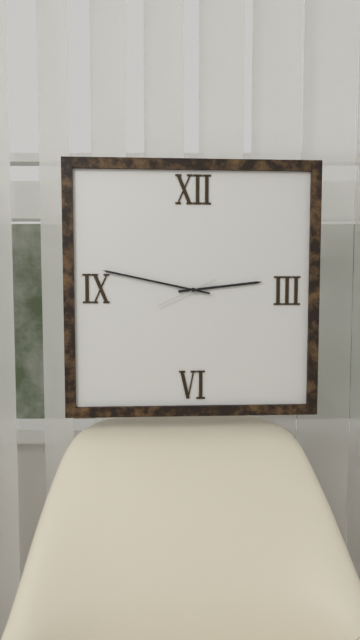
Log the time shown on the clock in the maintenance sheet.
2:47:41
